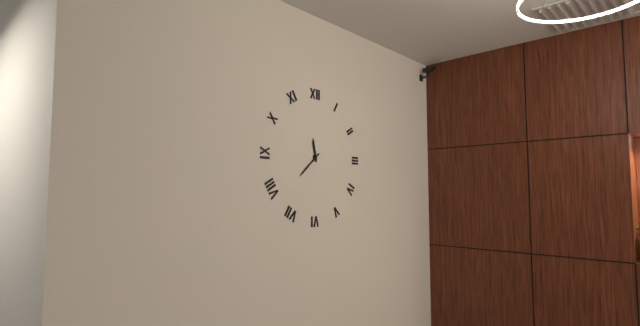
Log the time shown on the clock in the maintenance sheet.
11:38
